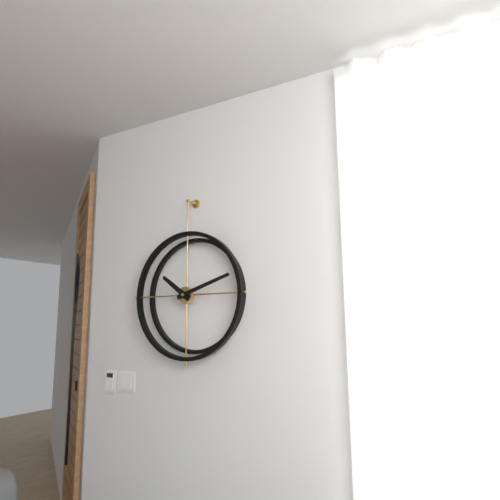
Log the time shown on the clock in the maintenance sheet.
10:12
